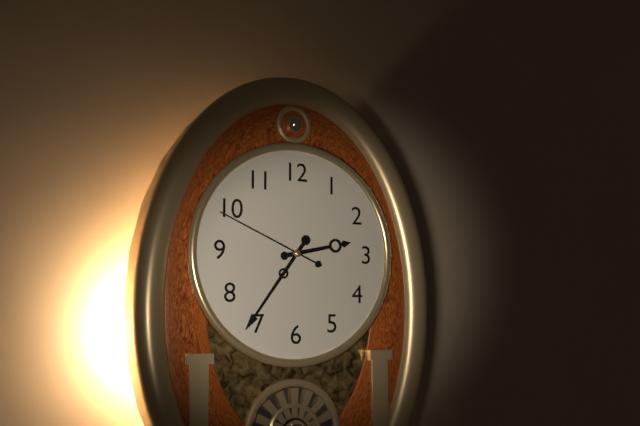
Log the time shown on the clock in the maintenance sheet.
2:36:49
